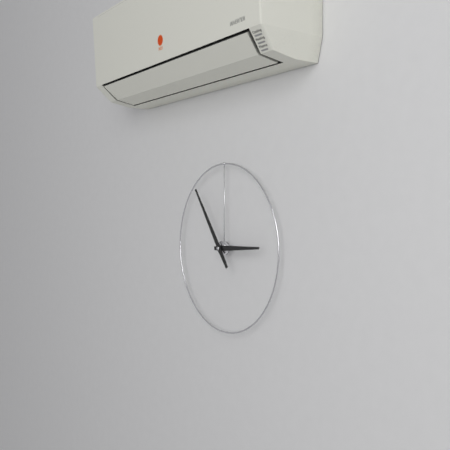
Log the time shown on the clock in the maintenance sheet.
2:54
